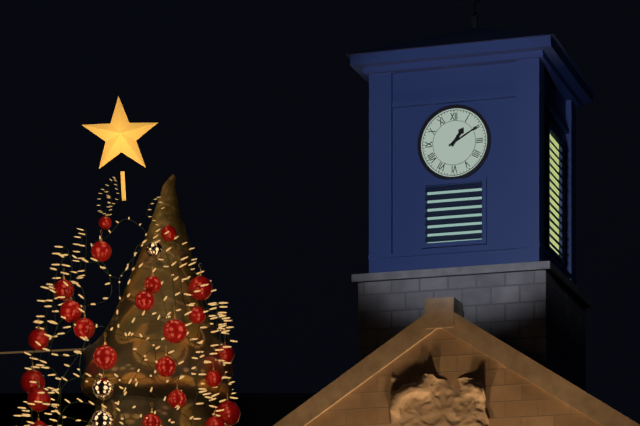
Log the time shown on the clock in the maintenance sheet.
1:10
